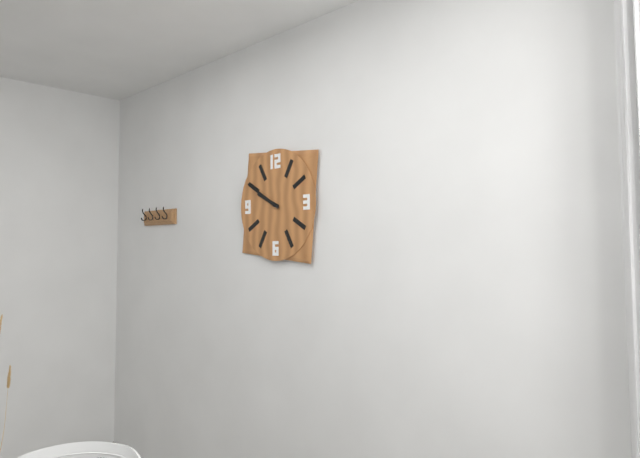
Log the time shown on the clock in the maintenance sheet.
9:50
